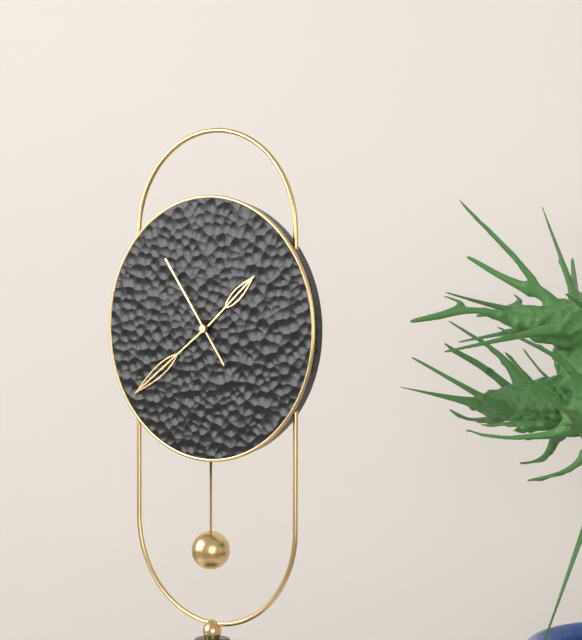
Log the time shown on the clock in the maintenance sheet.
1:39:54
